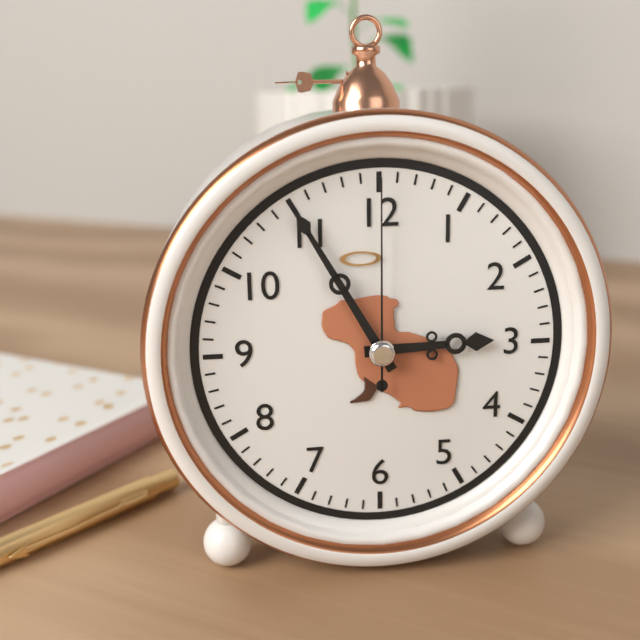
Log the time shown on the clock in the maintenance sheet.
2:55:00
